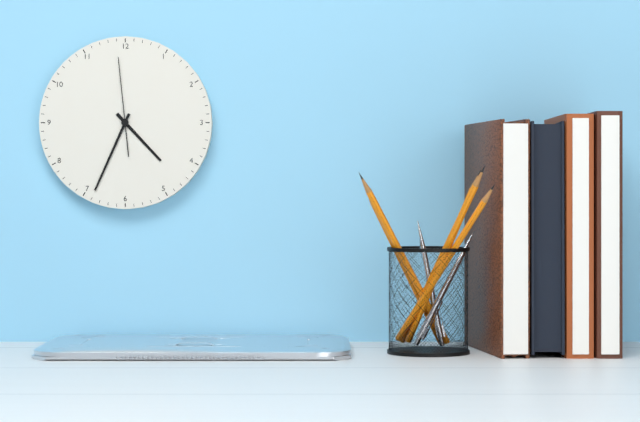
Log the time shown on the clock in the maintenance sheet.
4:34:59
